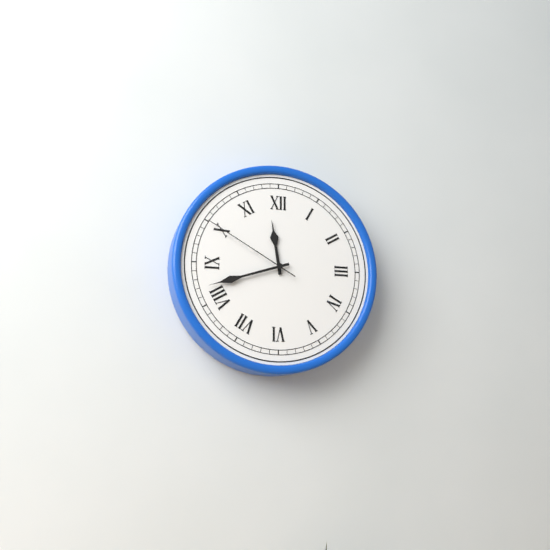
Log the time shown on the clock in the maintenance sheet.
11:42:50
